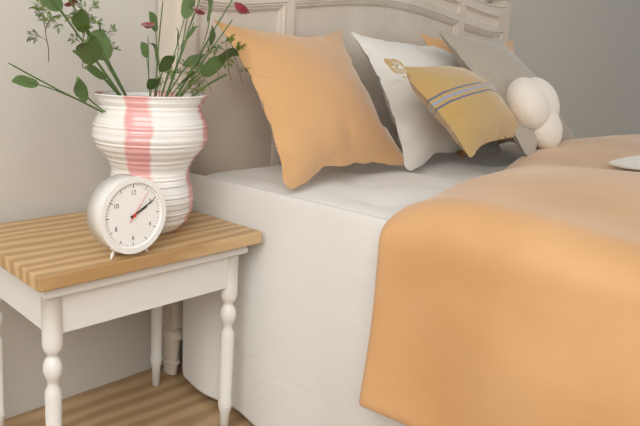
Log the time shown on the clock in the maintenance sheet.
2:10
